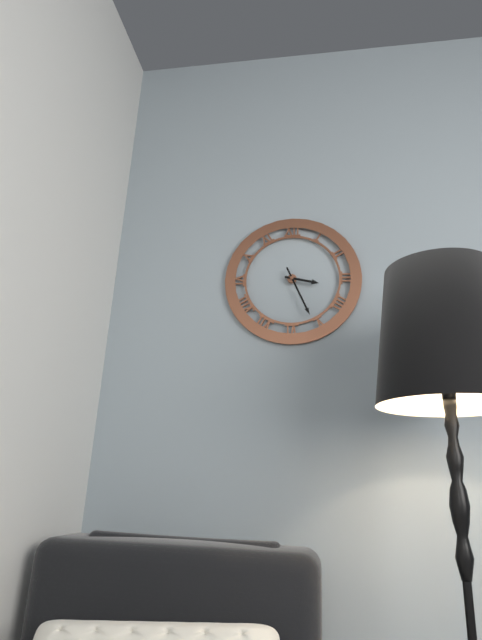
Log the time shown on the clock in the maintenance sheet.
3:26
